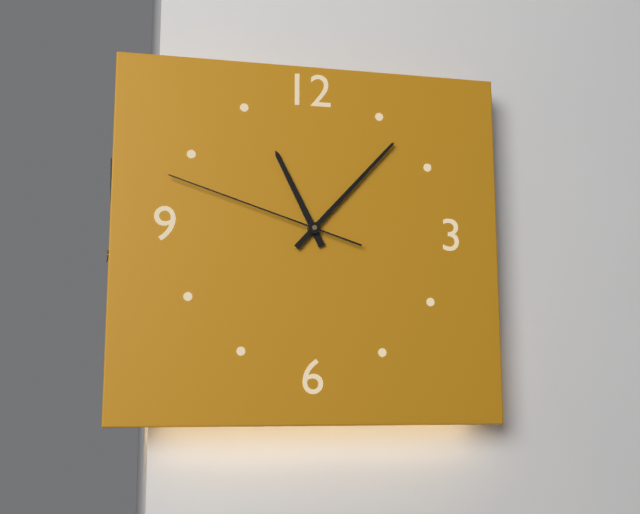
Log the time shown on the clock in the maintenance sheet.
11:07:48
